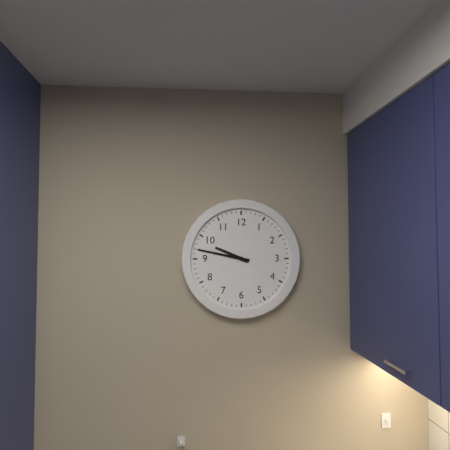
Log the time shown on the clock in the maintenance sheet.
9:47
